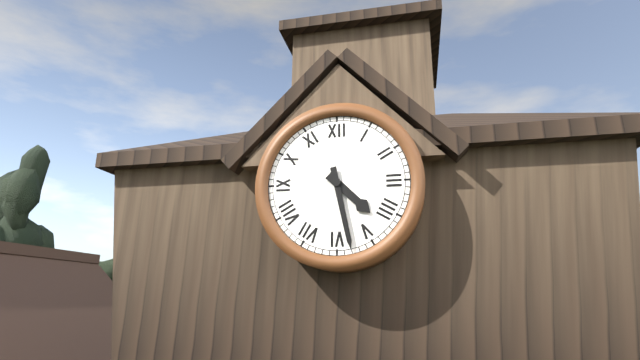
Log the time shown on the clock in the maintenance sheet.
4:28
